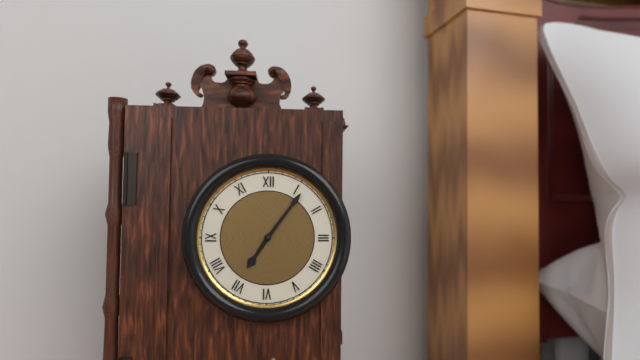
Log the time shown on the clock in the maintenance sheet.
7:06
